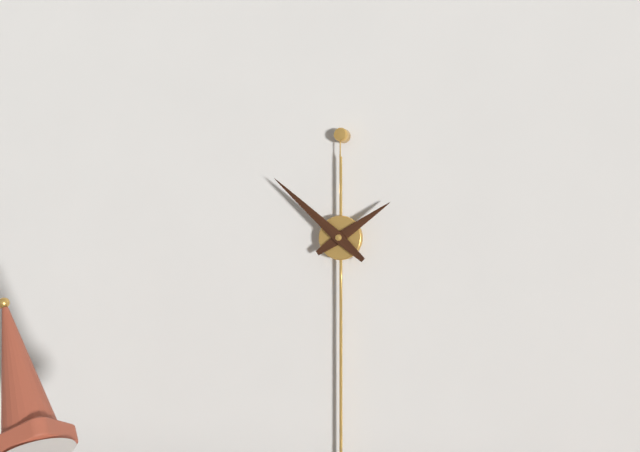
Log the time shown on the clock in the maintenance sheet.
1:52
